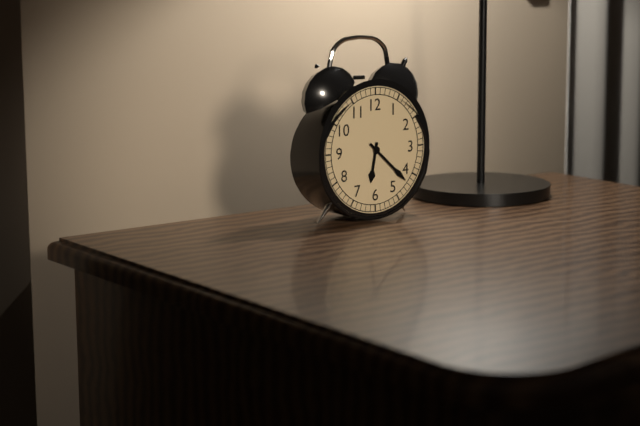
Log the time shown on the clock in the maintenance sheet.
6:22
